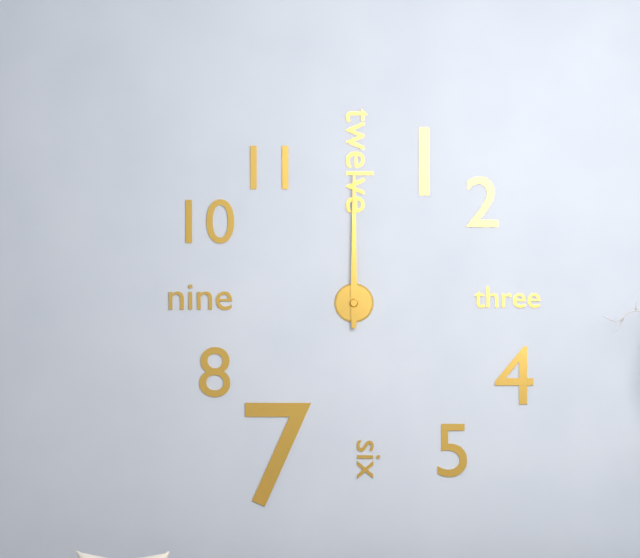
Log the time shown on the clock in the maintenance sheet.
12:00
